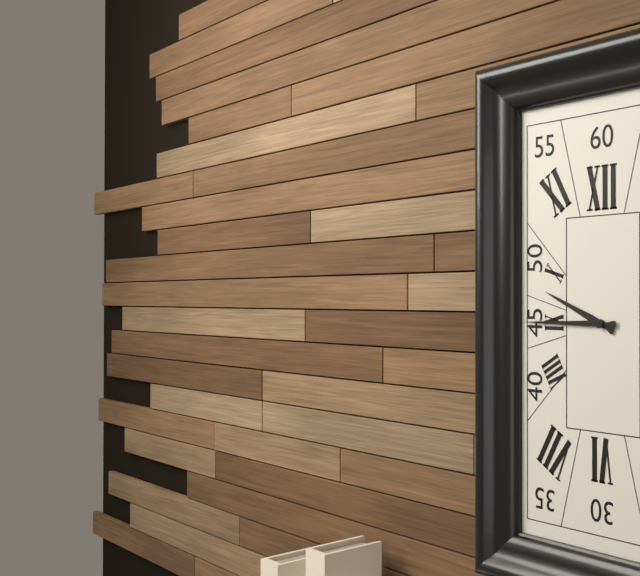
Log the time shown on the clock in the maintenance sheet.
9:45
